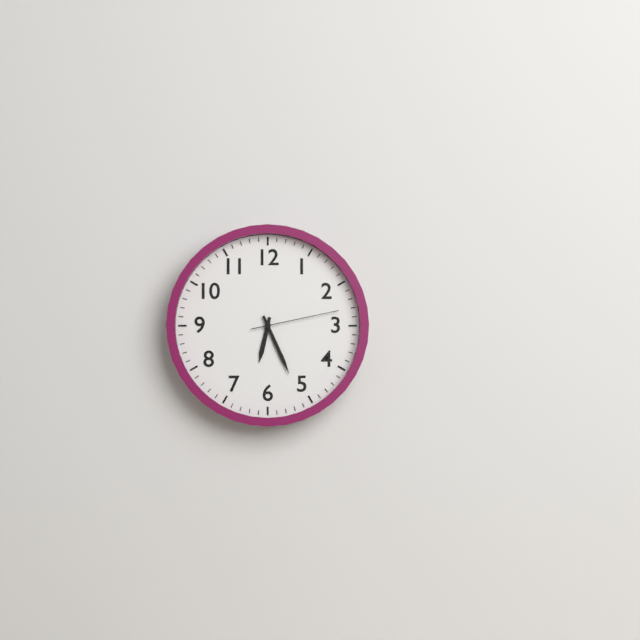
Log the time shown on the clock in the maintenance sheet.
6:26:13
